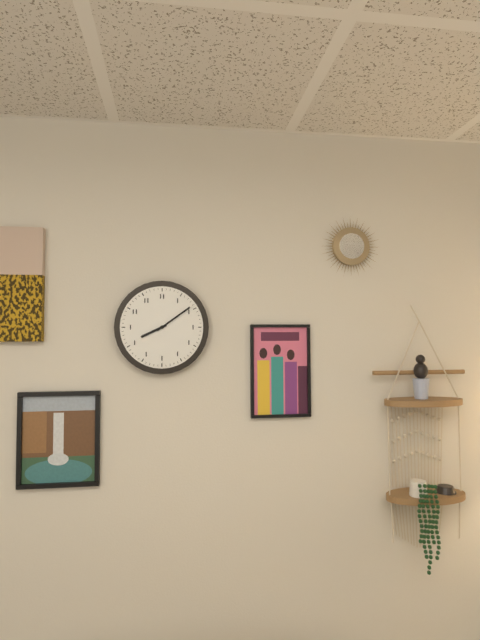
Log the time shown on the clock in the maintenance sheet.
8:09
